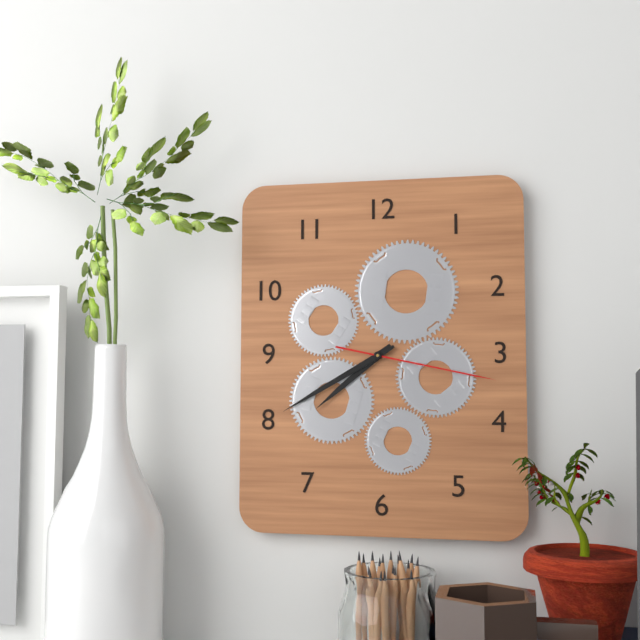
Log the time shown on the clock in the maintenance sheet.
7:40:17
